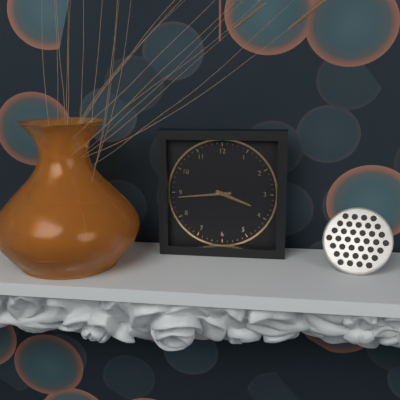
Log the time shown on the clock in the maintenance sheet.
3:44
